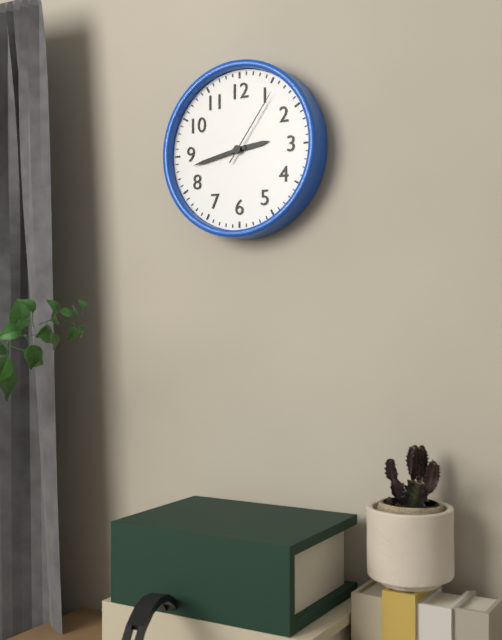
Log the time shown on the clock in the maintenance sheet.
2:43:06
